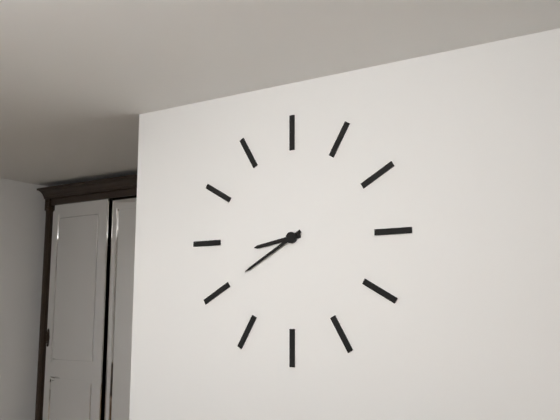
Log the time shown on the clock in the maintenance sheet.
8:40
